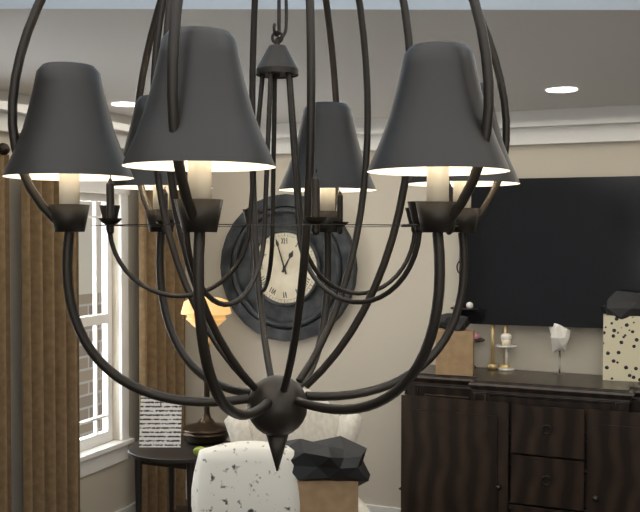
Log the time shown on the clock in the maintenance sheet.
12:57
